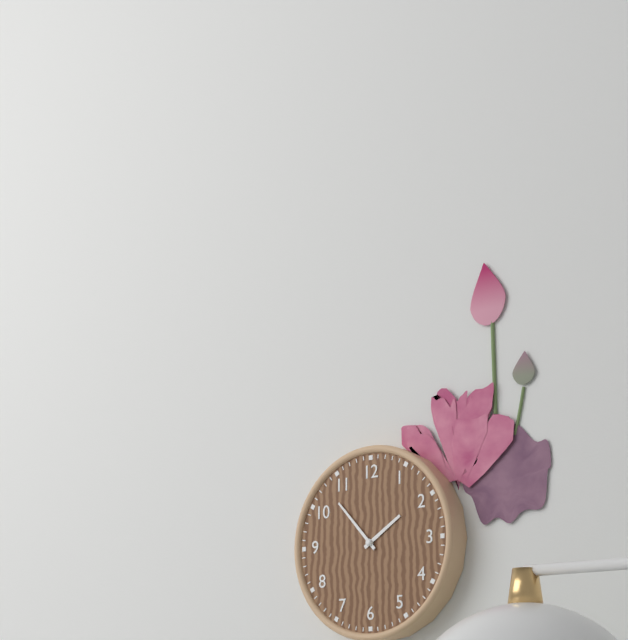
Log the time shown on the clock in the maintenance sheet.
1:53
